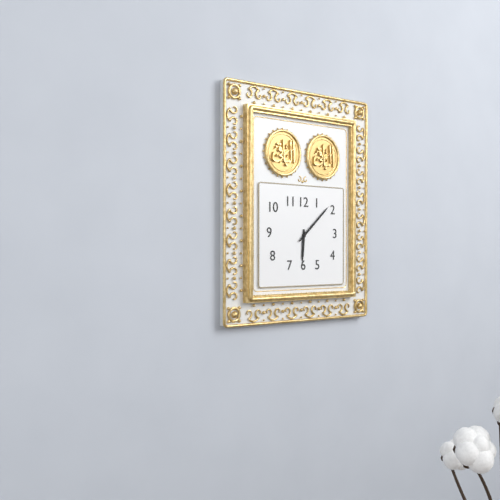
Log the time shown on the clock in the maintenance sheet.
6:08
